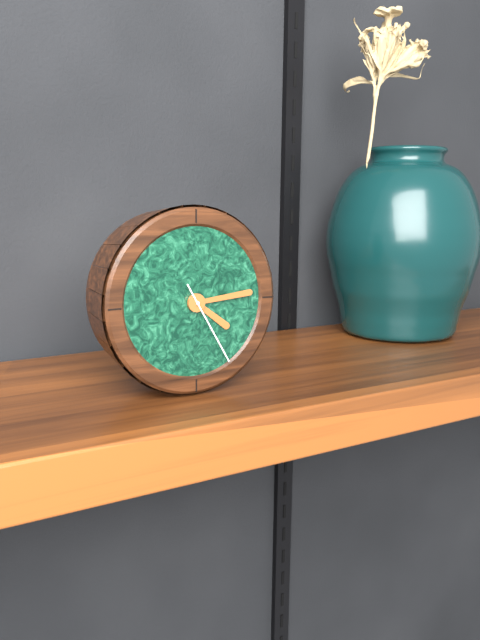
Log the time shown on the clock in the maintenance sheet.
4:14:25
